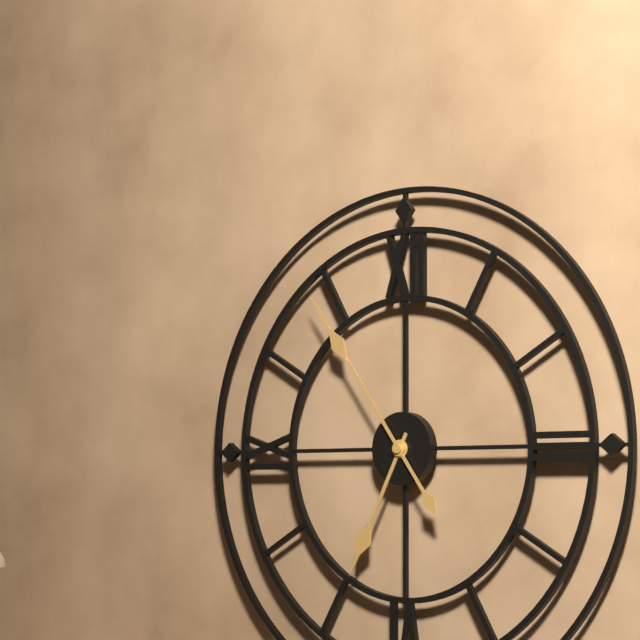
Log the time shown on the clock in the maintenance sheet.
6:54
